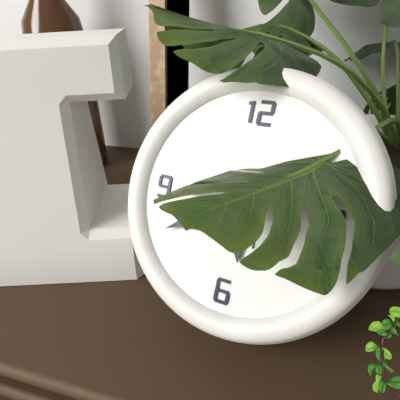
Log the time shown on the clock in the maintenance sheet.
5:40
